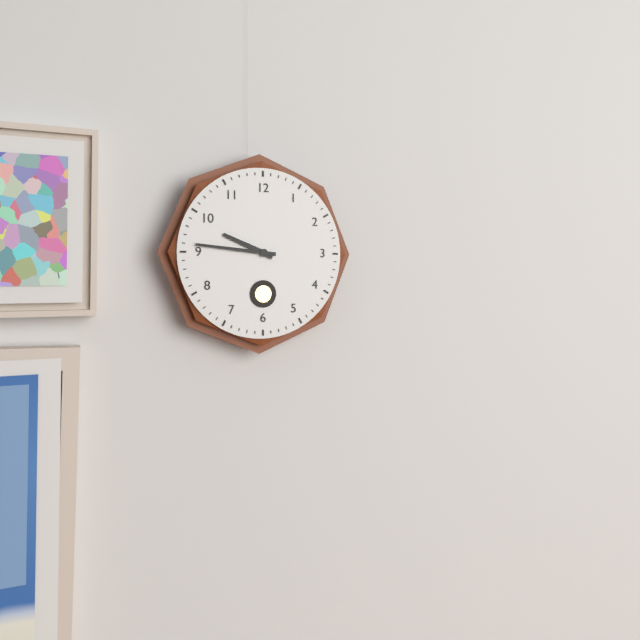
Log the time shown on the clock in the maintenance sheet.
9:46
